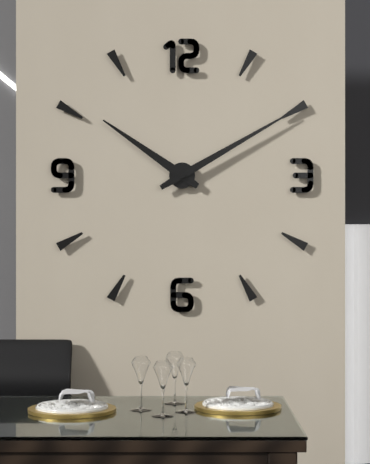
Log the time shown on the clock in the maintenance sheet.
10:10
